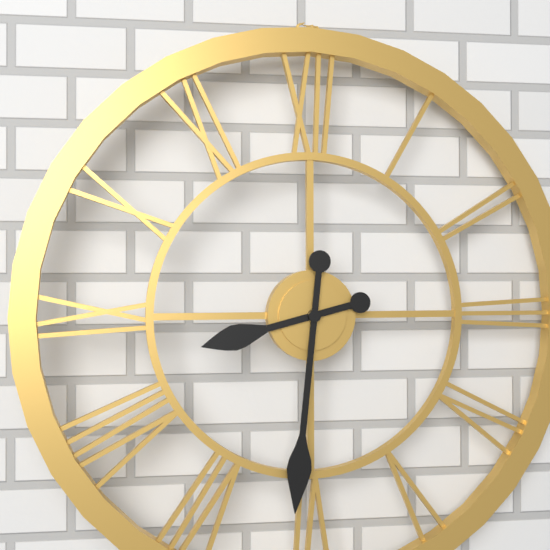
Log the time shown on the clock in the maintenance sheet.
8:31
